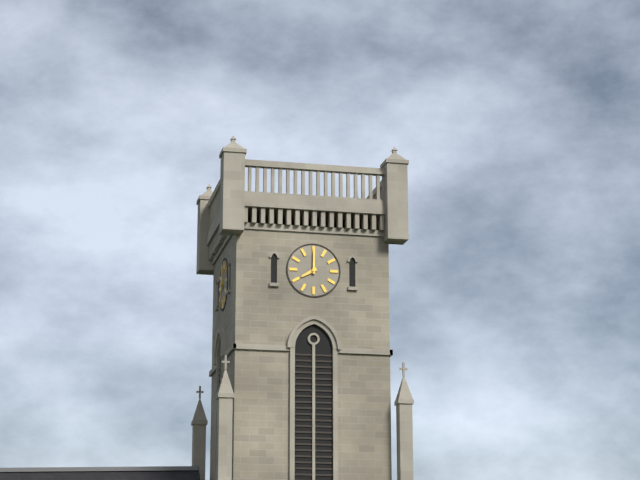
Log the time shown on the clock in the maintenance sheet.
8:00
